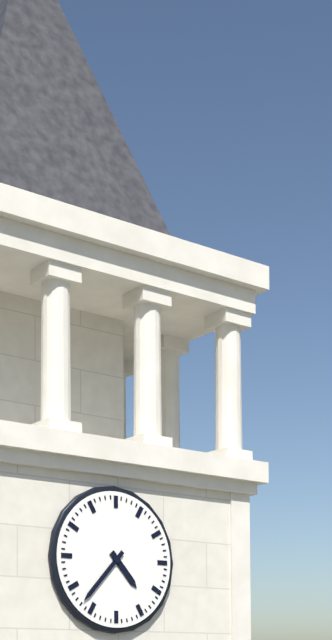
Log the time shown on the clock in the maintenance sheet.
4:37
